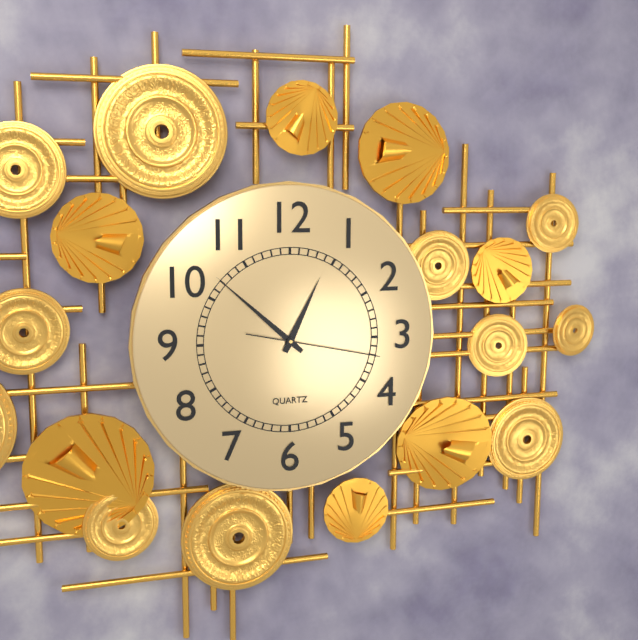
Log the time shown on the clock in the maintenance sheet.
12:52:17
